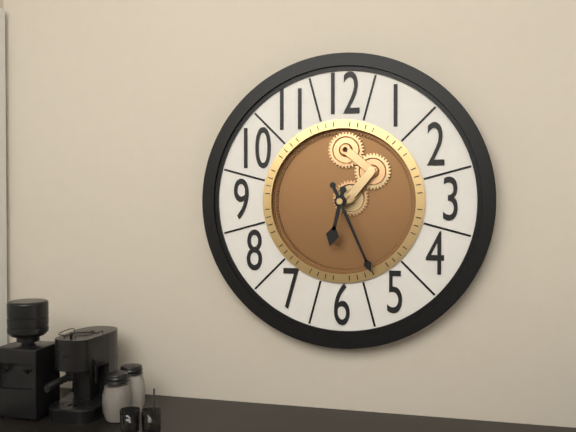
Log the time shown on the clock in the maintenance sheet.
6:26
